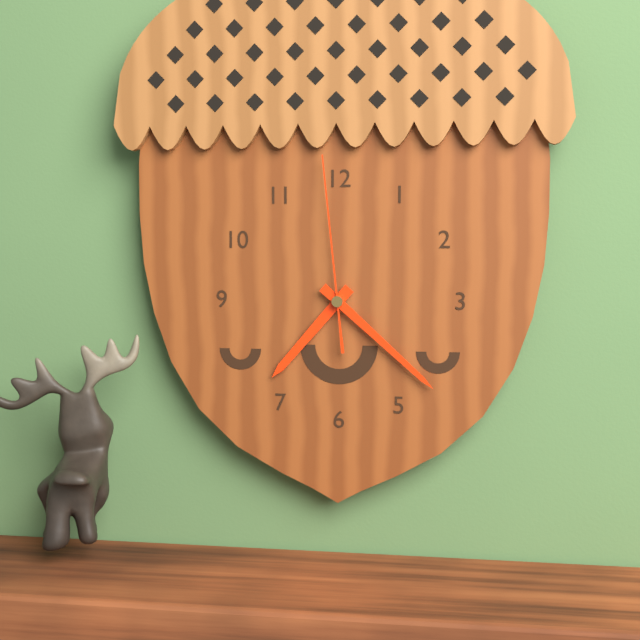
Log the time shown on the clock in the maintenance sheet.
7:22:59
